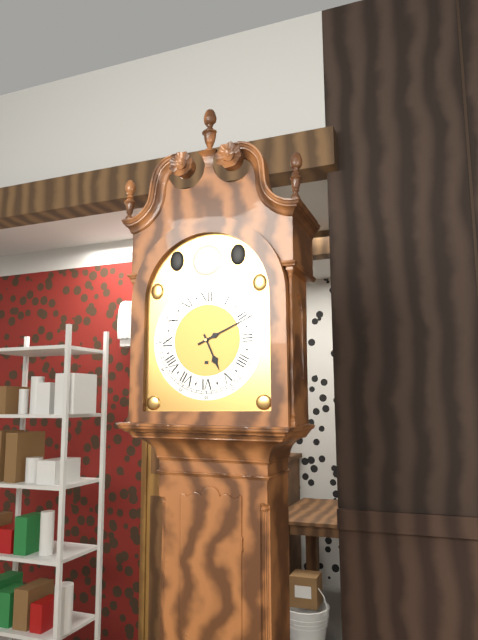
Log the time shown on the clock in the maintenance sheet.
5:11
